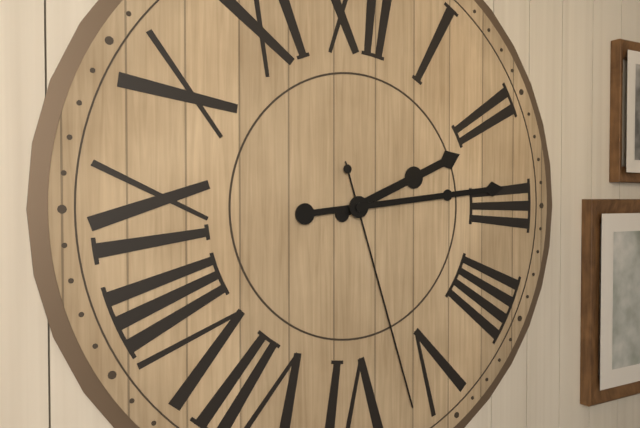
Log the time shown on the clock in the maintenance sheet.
2:14:27
